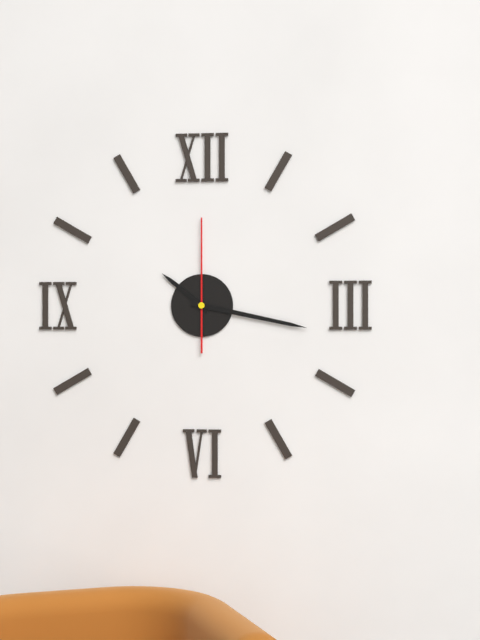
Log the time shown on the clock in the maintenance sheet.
10:17:00
